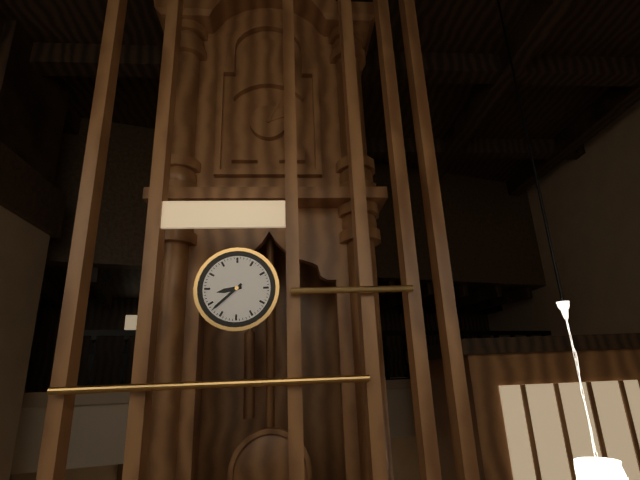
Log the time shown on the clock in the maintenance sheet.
8:38
